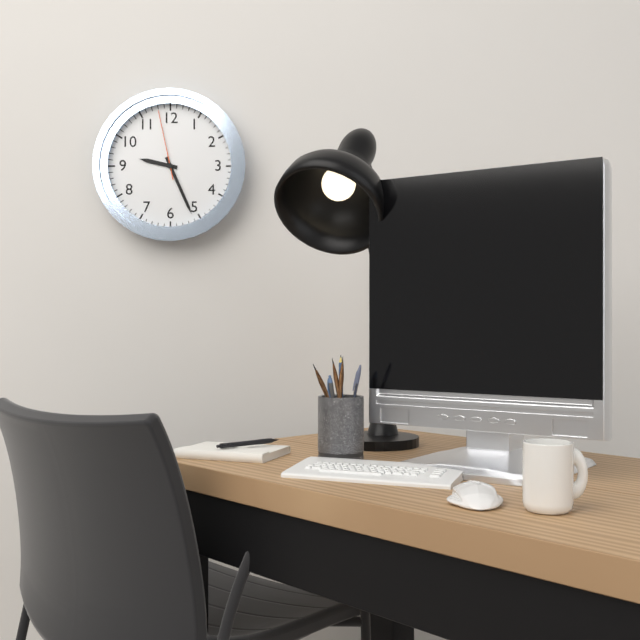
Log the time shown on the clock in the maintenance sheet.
9:26:58
